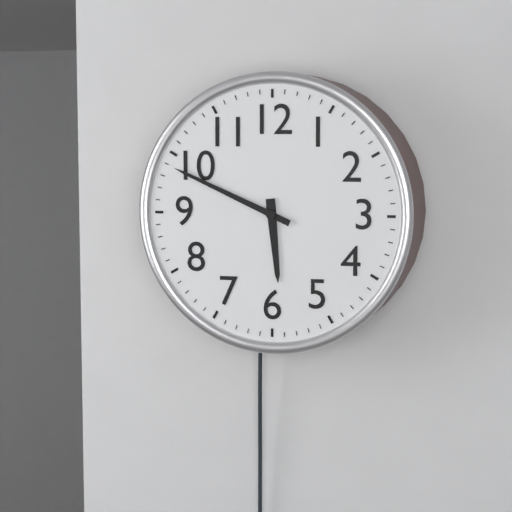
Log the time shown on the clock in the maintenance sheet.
5:49
